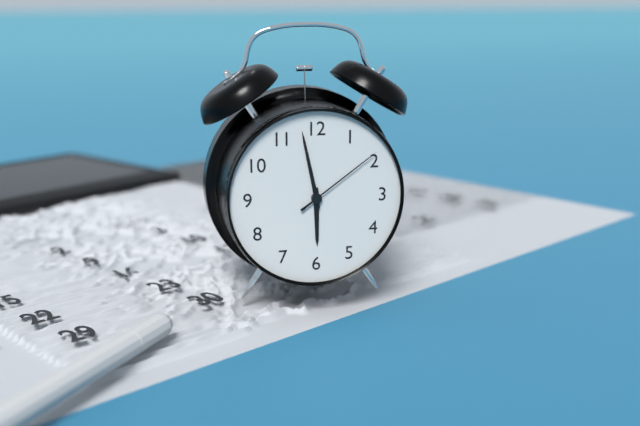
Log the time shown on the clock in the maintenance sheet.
5:58:09
